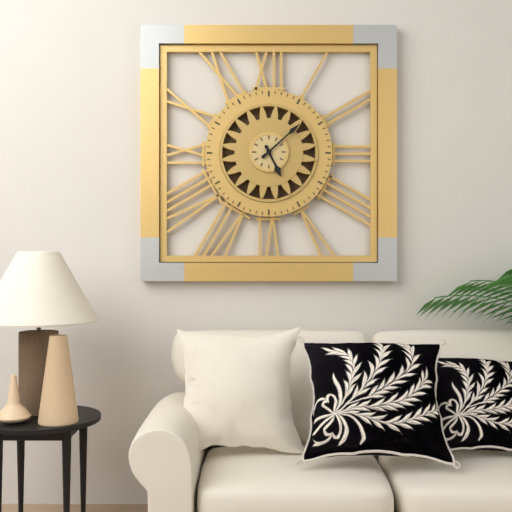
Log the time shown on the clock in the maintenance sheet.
5:08
